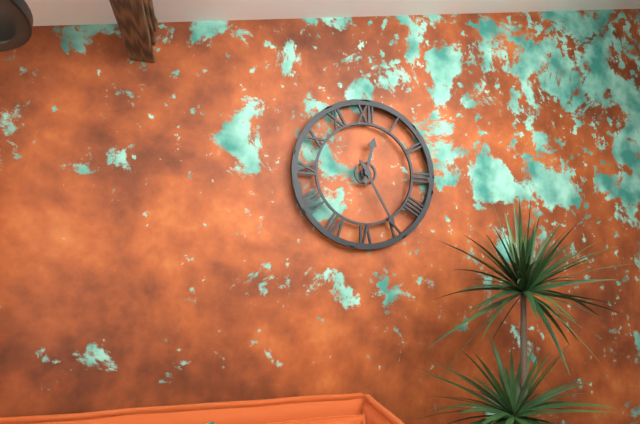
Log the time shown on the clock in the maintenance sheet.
12:25
